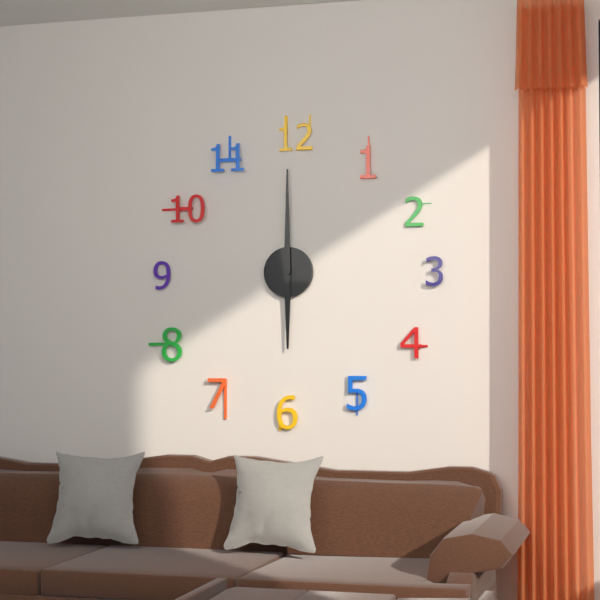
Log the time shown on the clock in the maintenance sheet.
6:00
